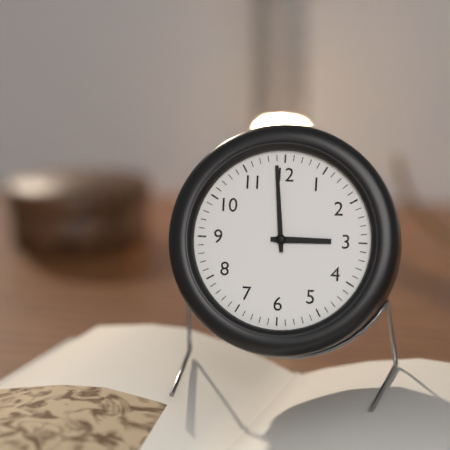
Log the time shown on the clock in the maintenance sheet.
2:59
